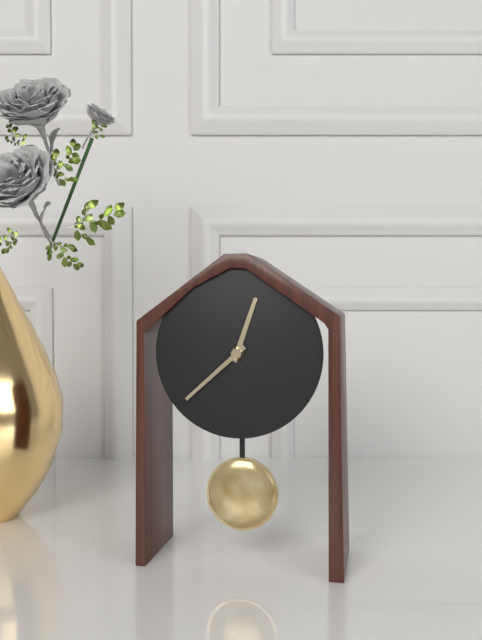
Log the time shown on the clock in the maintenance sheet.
12:38
